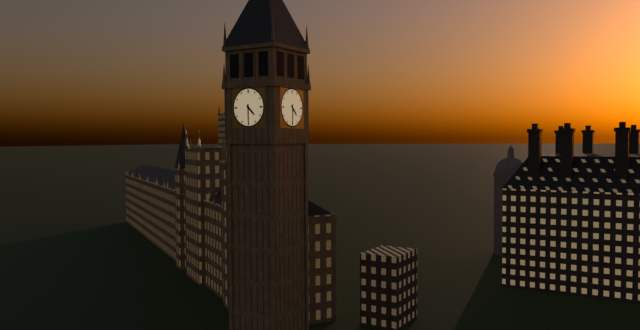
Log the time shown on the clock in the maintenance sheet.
4:30
